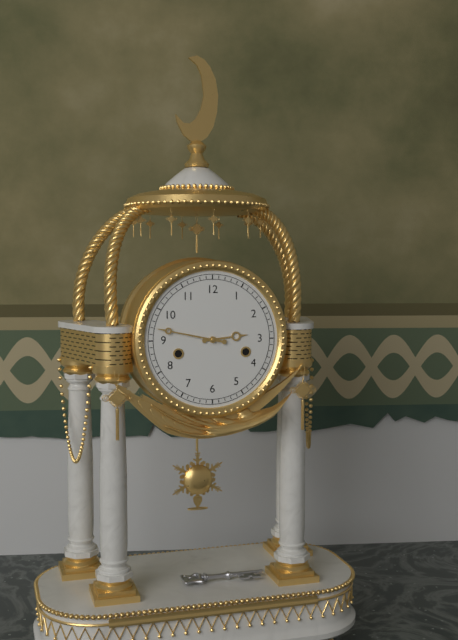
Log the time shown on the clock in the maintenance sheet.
2:47
